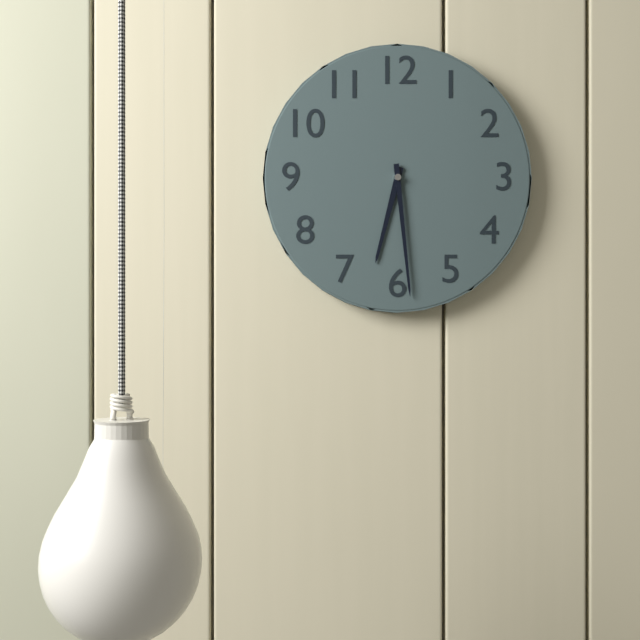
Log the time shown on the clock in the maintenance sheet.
6:29
